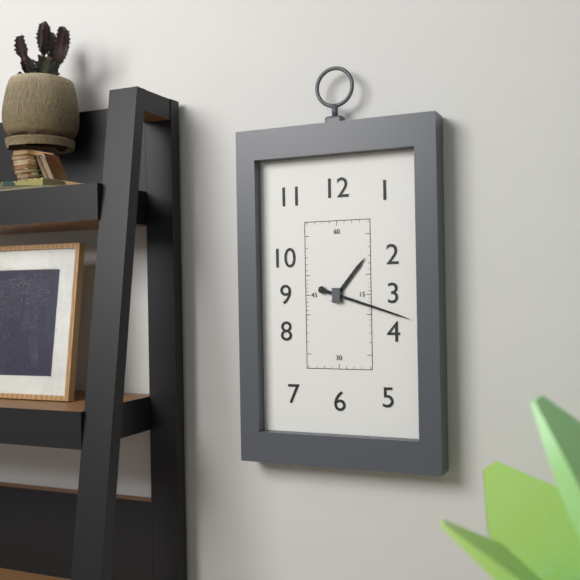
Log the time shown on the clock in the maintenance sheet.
1:18
